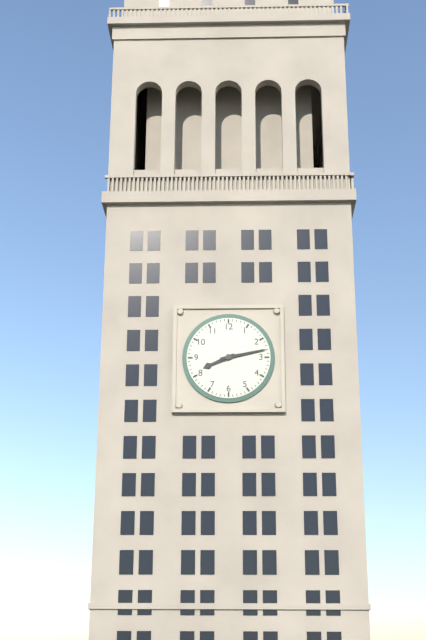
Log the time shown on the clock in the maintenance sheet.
8:13
